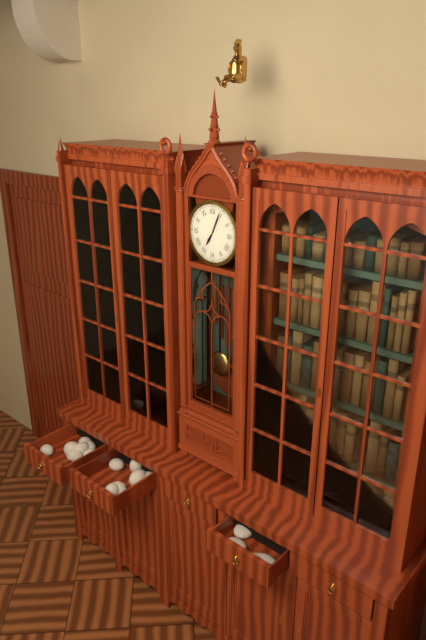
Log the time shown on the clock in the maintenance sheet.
7:04
